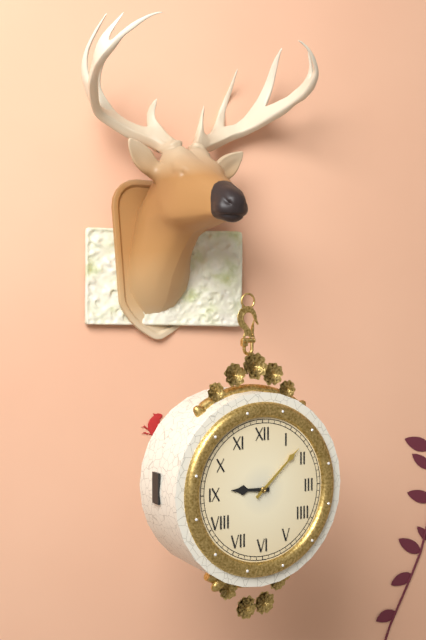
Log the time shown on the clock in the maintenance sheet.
9:08
